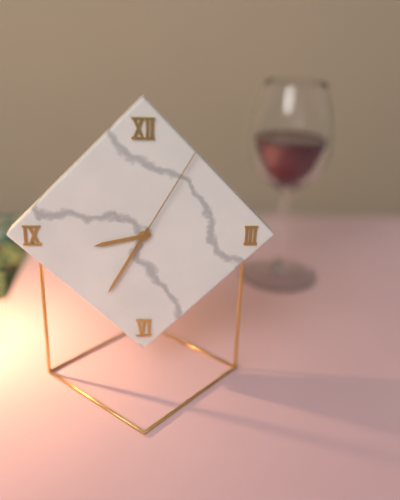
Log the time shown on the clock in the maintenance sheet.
8:35:05
